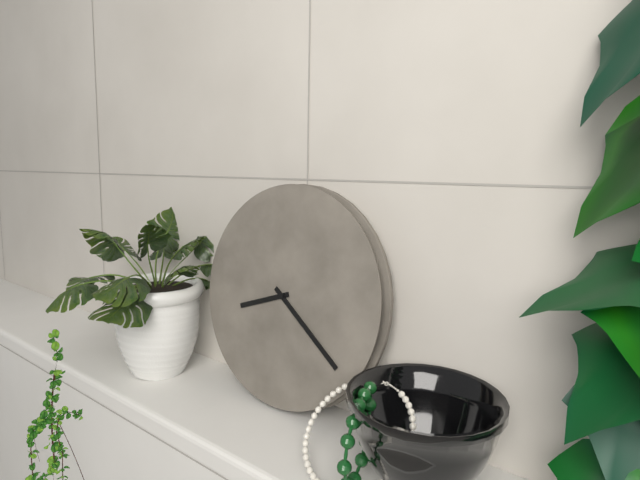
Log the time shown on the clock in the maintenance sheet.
8:21
